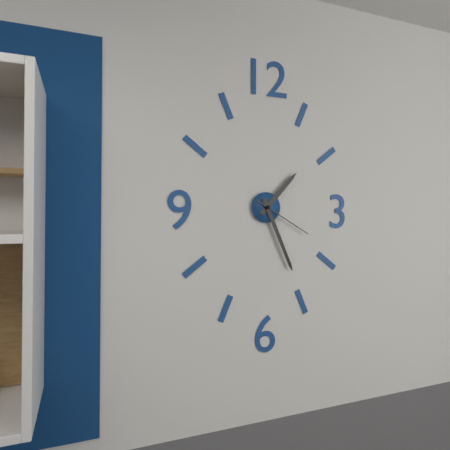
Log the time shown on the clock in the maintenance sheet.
1:26:20
